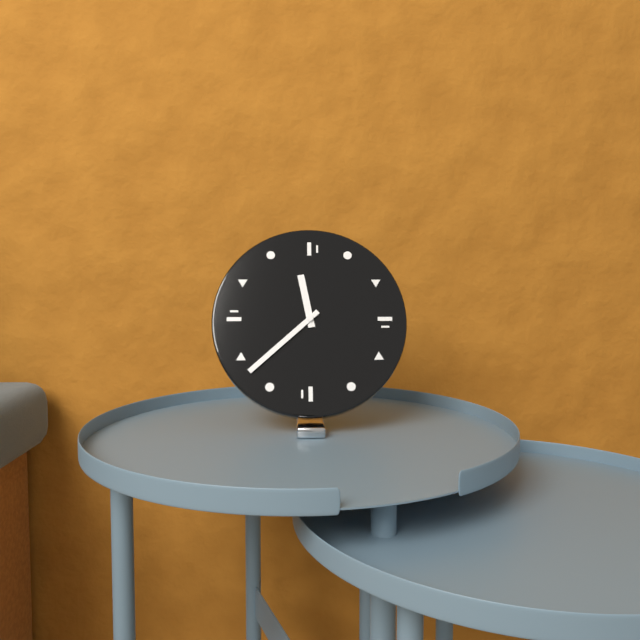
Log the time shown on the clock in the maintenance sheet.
11:38
